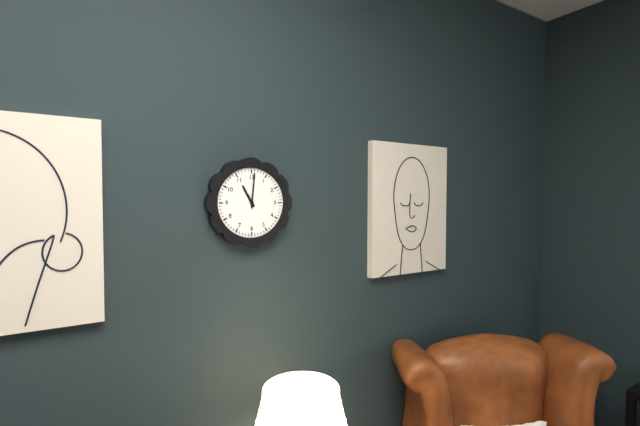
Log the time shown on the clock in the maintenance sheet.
11:01
